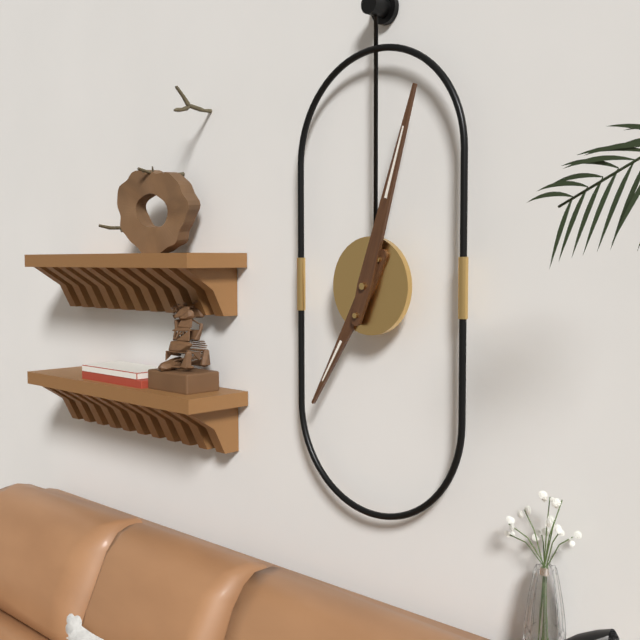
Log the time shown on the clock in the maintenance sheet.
7:03
